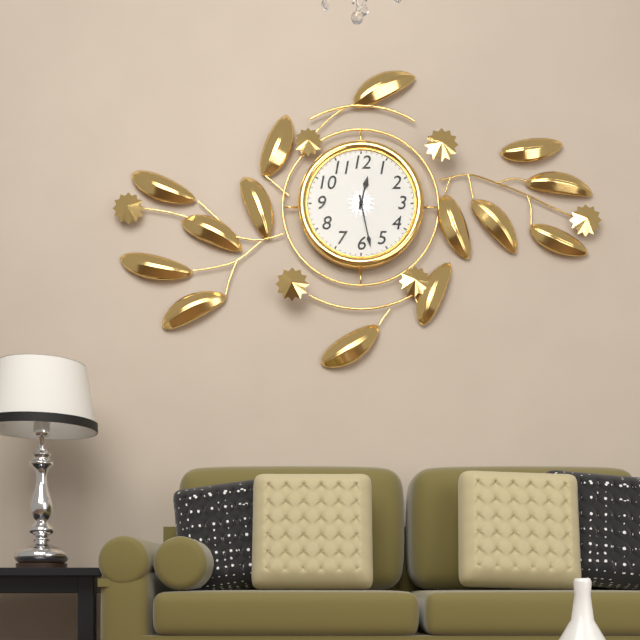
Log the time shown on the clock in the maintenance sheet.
12:28
